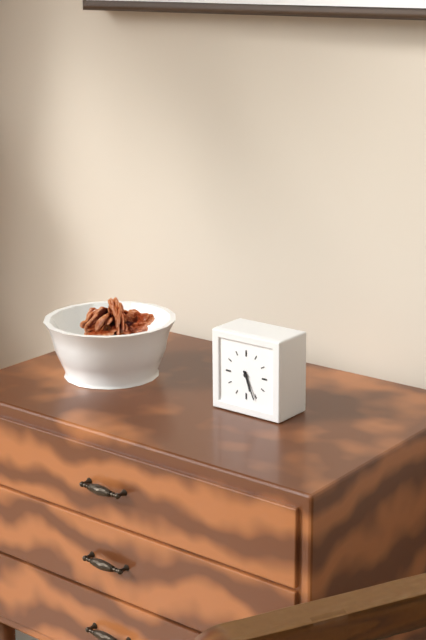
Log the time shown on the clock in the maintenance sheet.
5:26
